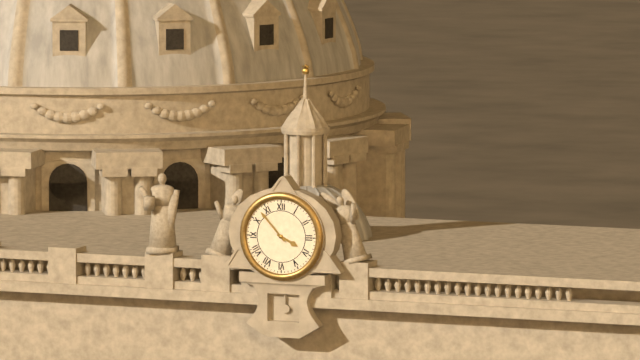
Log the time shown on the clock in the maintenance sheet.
3:53
